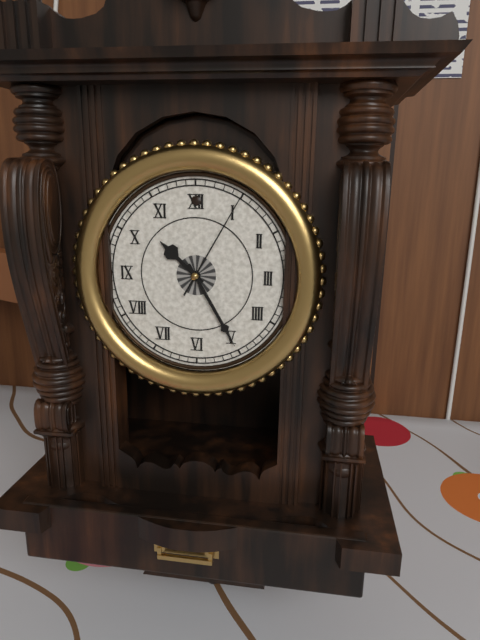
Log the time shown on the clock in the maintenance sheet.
10:25:05
